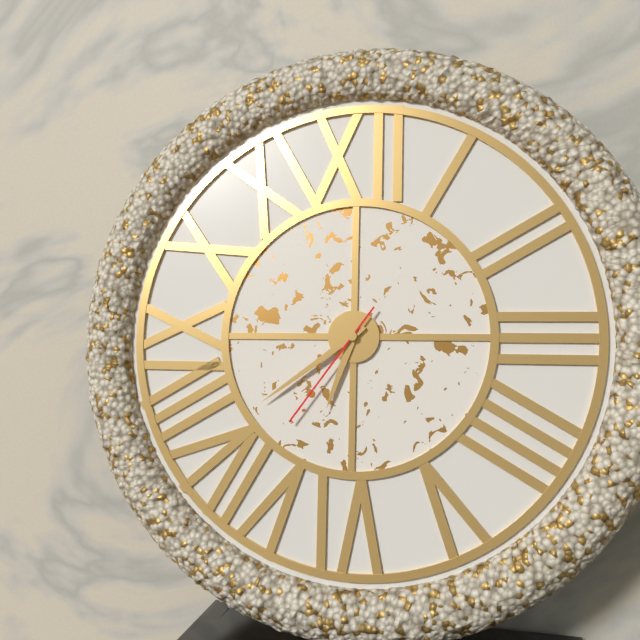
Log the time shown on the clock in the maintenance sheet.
6:39:36
